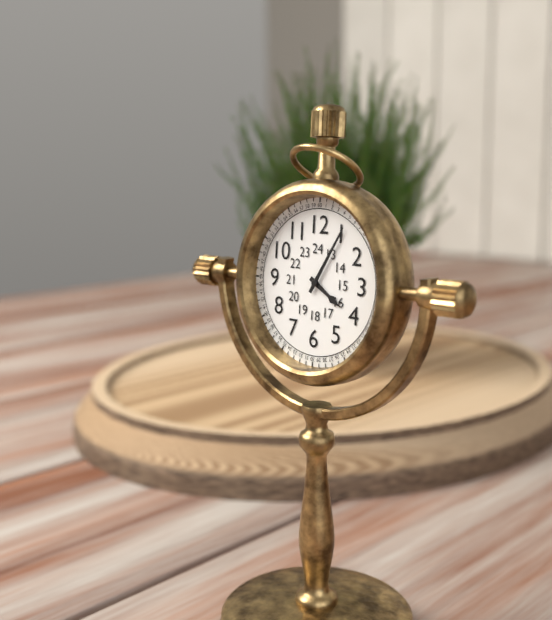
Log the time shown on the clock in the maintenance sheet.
4:05
